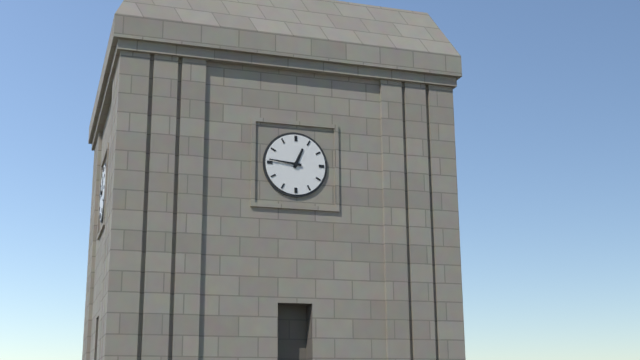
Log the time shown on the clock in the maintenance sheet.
12:46
